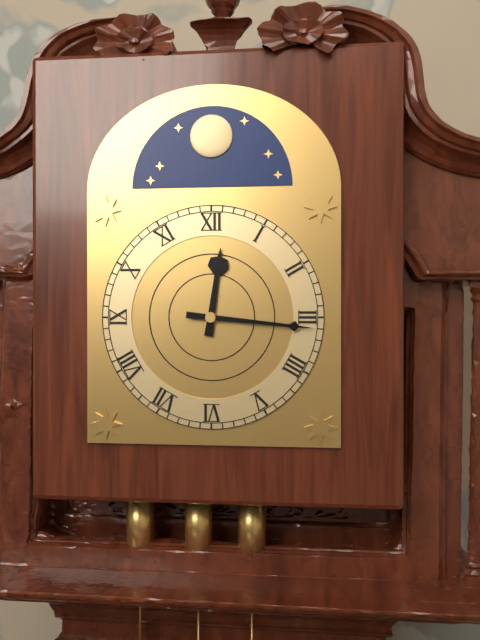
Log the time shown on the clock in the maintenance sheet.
12:16
